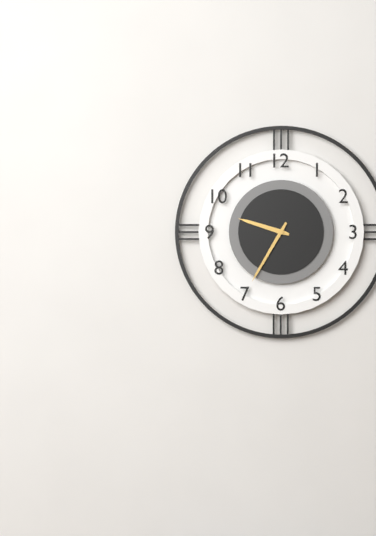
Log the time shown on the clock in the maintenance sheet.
9:35
